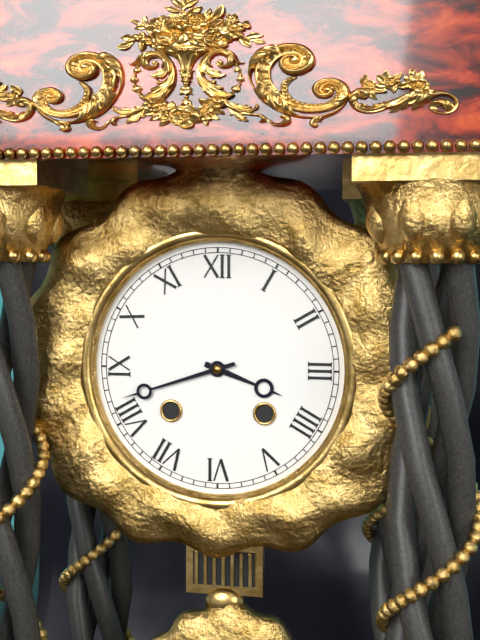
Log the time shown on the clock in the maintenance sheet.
3:42
